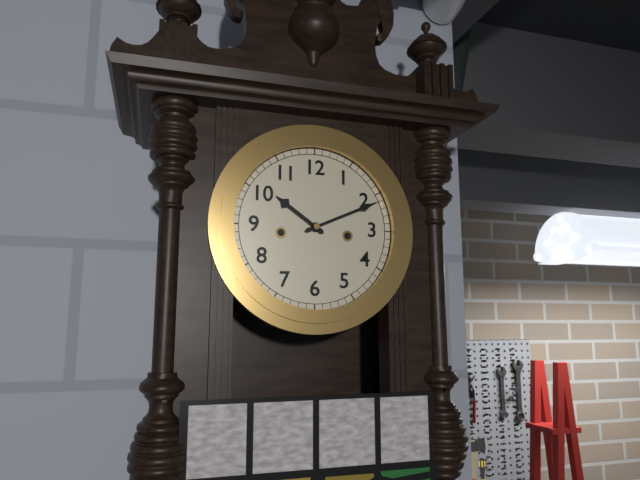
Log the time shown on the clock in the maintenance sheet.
10:11
